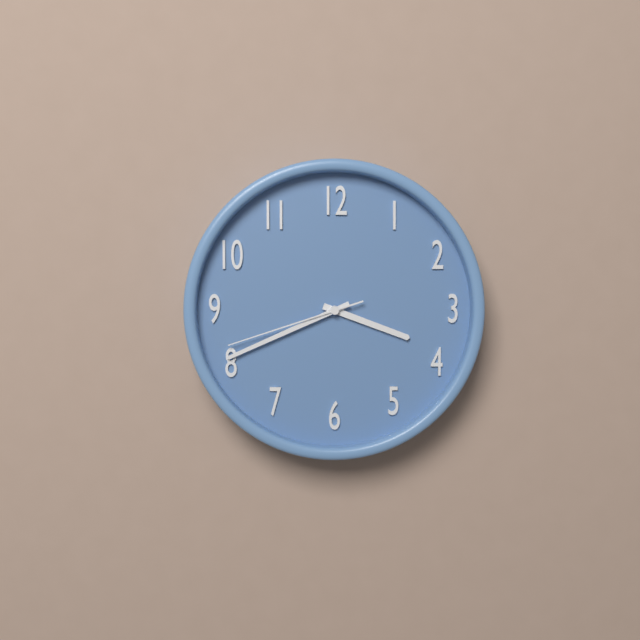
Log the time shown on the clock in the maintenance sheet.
3:41:42
